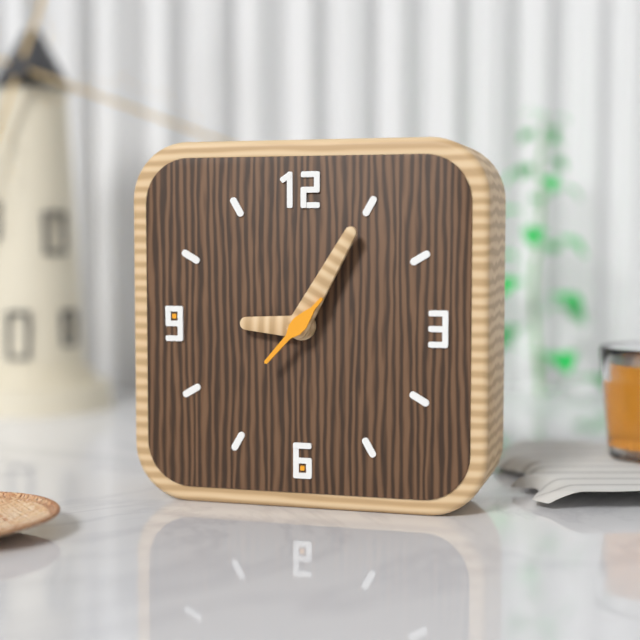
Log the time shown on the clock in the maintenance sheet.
9:05:37
